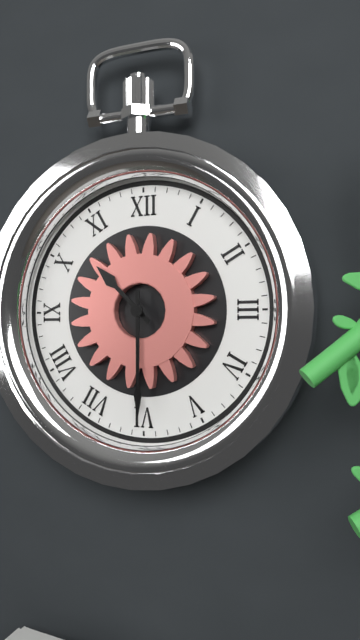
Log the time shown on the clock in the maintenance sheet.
10:30
